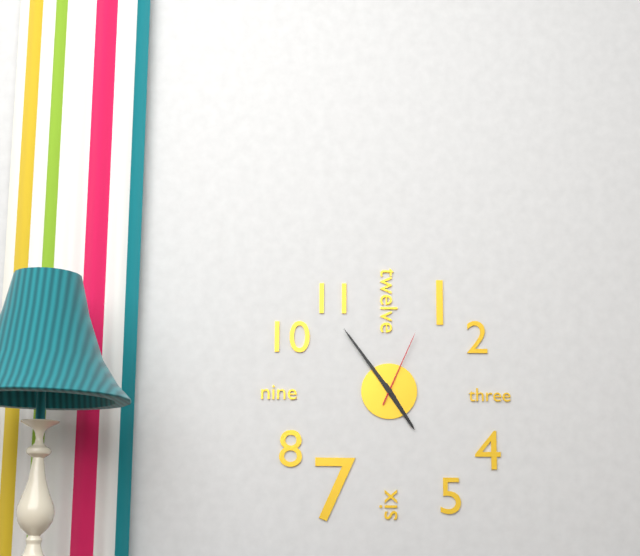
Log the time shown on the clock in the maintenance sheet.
4:54:04
